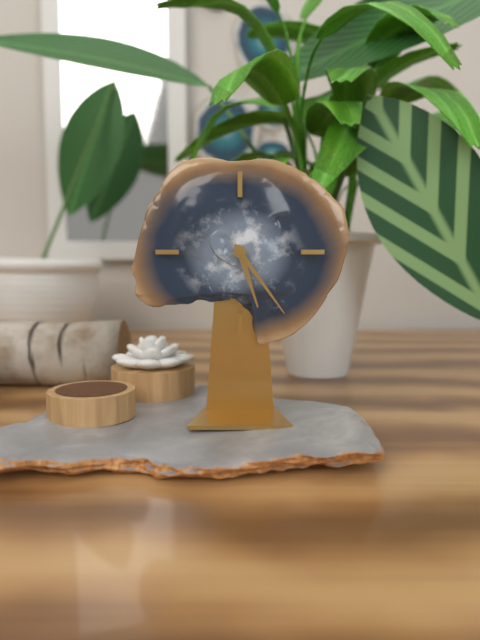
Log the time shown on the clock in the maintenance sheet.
5:24
